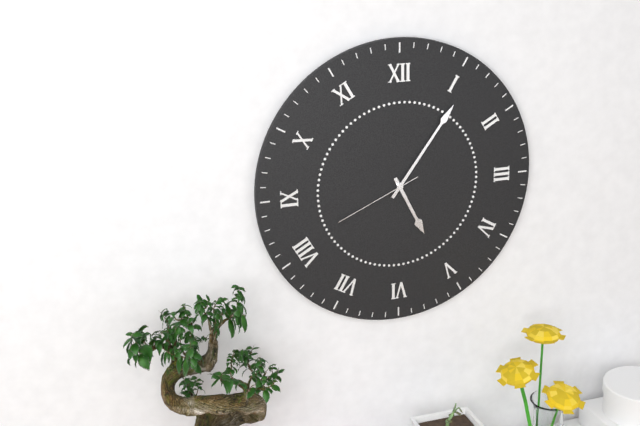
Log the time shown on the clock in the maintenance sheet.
5:06:41
